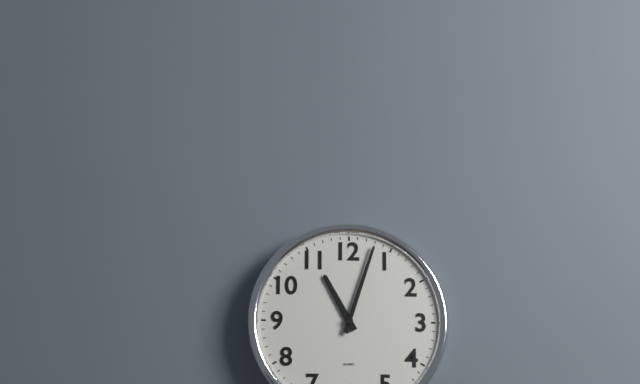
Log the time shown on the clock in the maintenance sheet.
11:03
